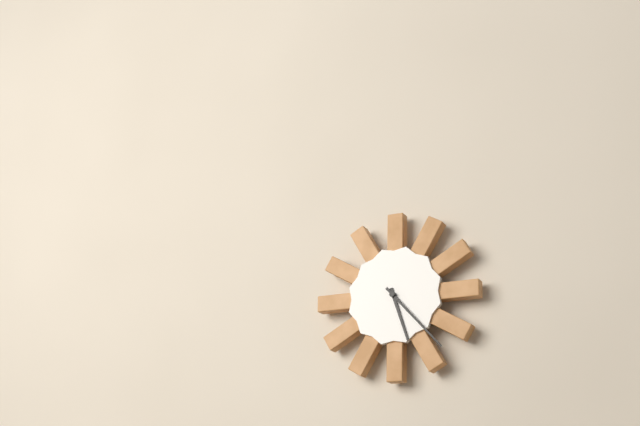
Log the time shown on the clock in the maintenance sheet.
5:23
